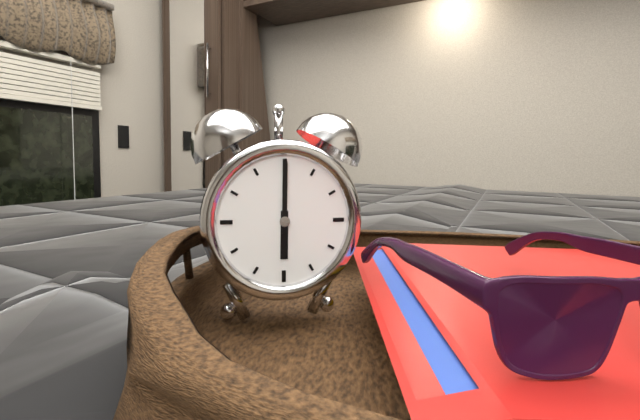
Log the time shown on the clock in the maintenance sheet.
6:00
